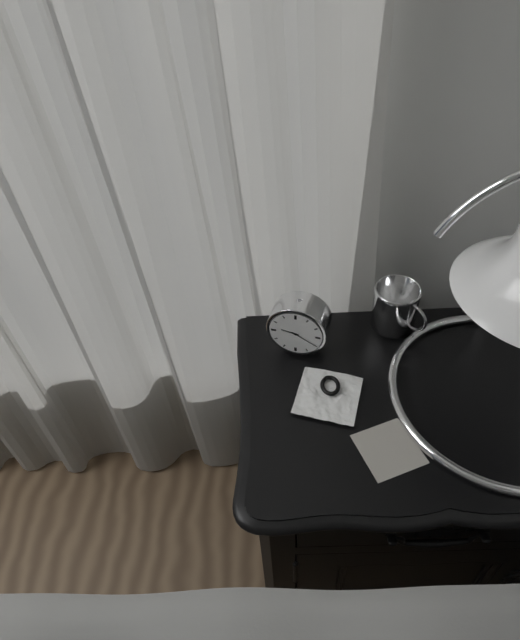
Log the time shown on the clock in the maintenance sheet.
9:20
